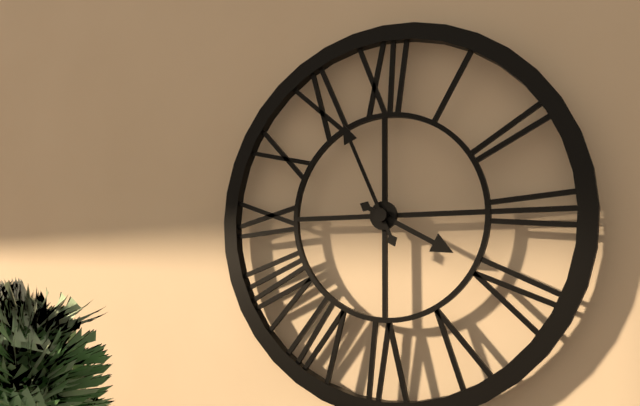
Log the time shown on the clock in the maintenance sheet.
3:56
